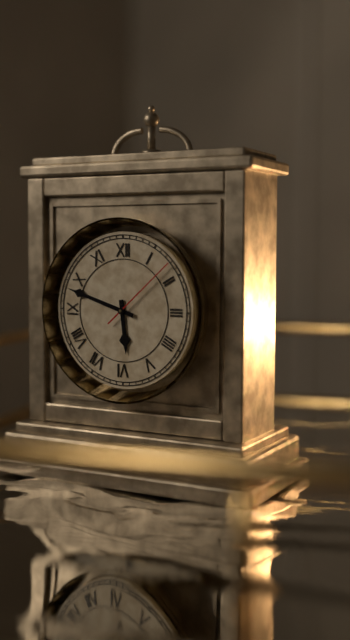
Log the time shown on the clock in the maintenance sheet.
5:48:08
